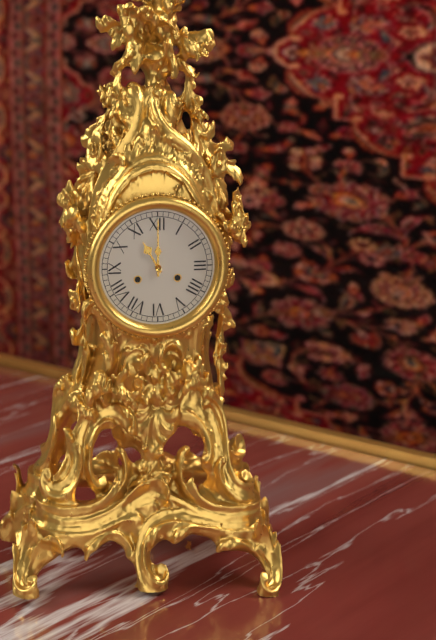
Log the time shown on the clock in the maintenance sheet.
11:00
